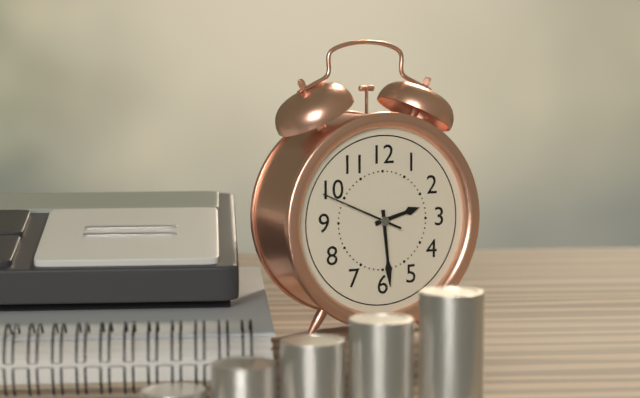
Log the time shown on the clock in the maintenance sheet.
2:29:49
